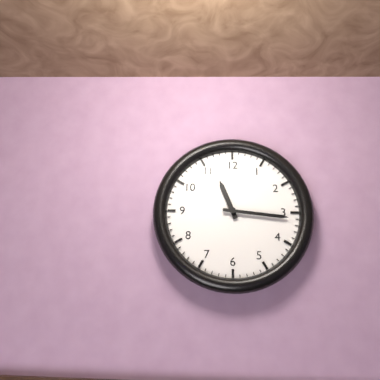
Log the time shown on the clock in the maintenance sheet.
11:16
